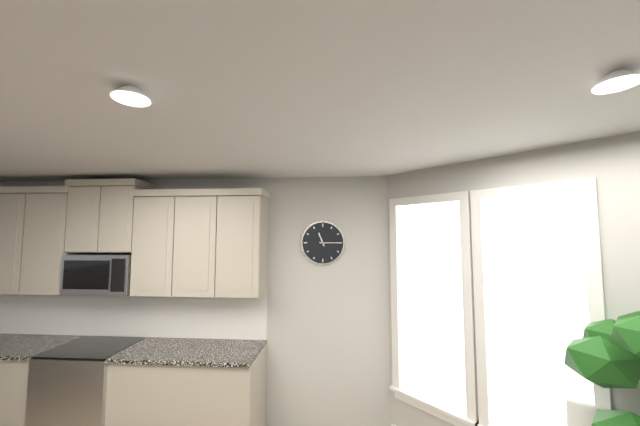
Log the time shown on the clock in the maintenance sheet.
11:15
